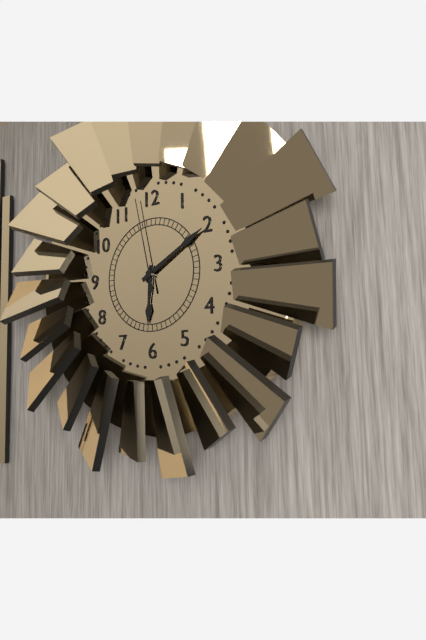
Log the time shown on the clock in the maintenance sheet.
6:10:58
